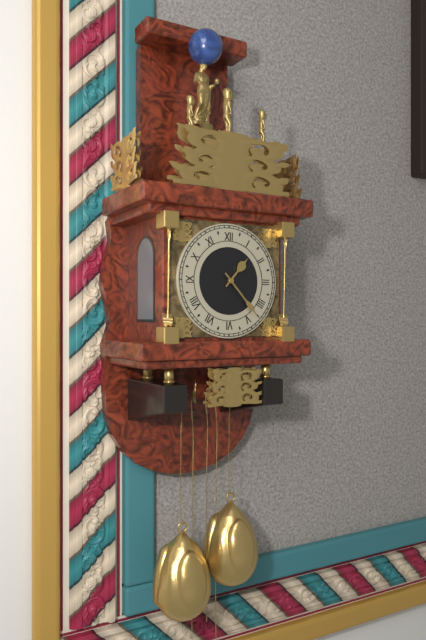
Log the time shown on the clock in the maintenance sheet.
1:23
